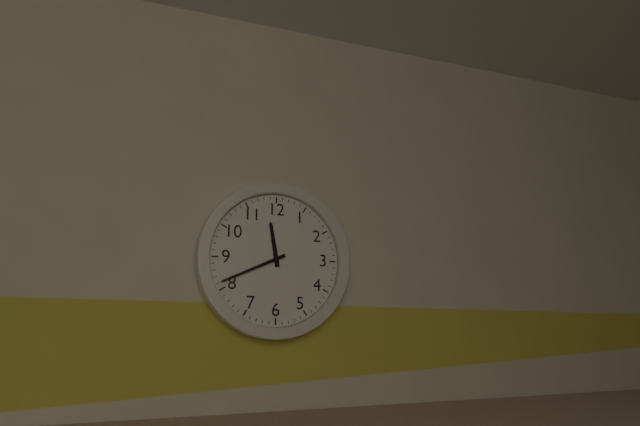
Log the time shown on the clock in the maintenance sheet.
11:41
